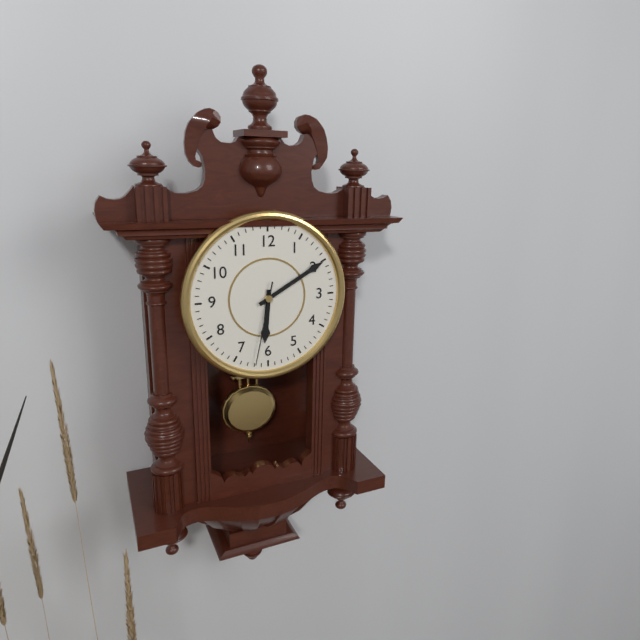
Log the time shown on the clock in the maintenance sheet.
6:10:32
